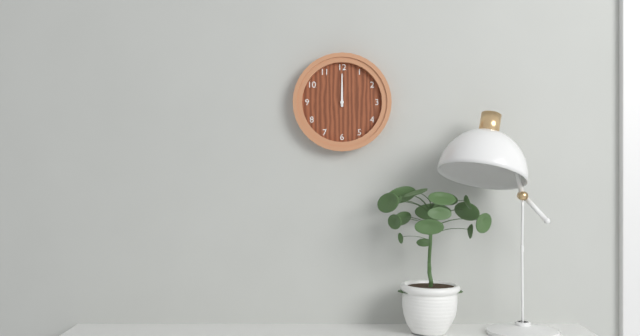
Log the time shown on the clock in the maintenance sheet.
12:00
